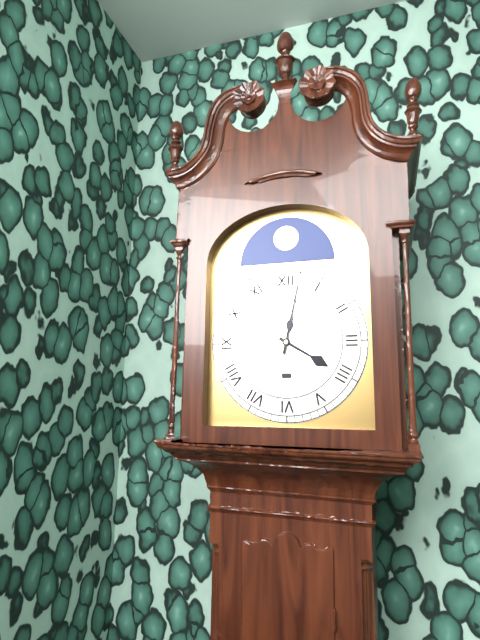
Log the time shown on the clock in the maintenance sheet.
4:02
